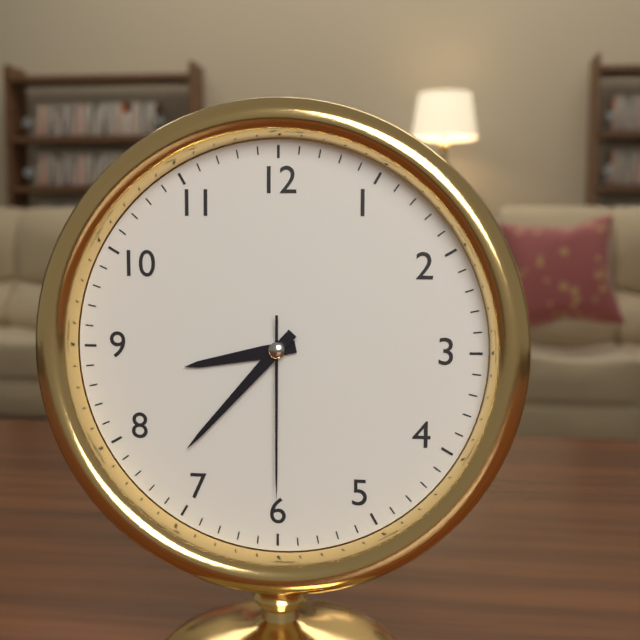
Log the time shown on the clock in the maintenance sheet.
8:37:30
